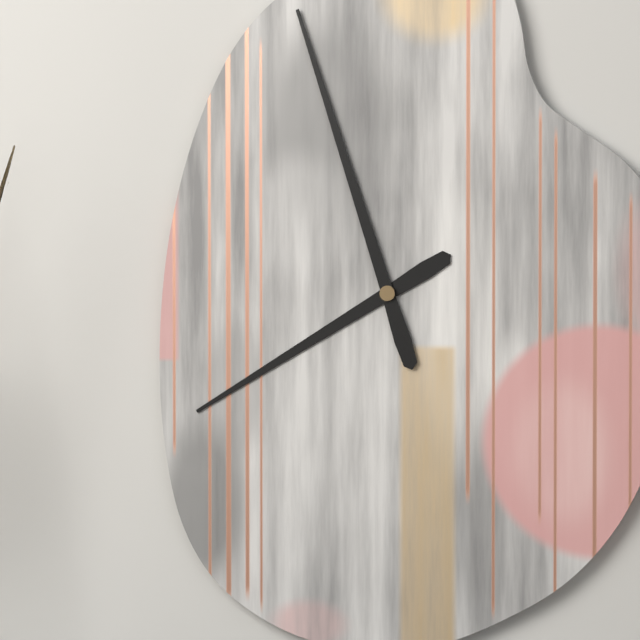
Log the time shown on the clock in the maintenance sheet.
7:57
